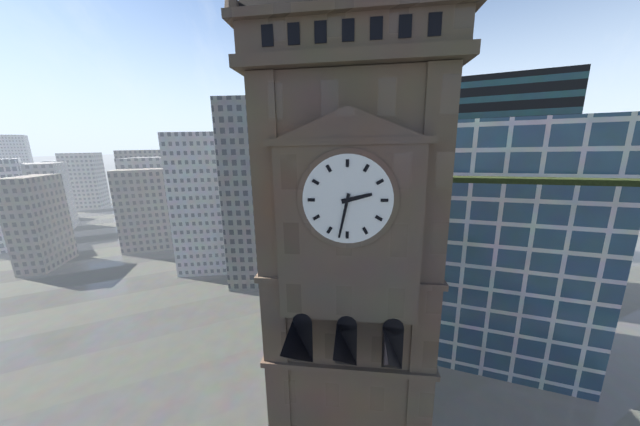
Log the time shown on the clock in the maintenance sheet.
2:32
